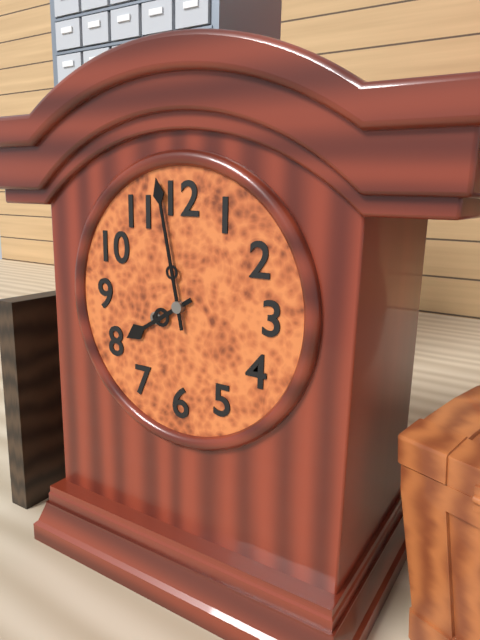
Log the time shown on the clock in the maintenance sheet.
7:58
